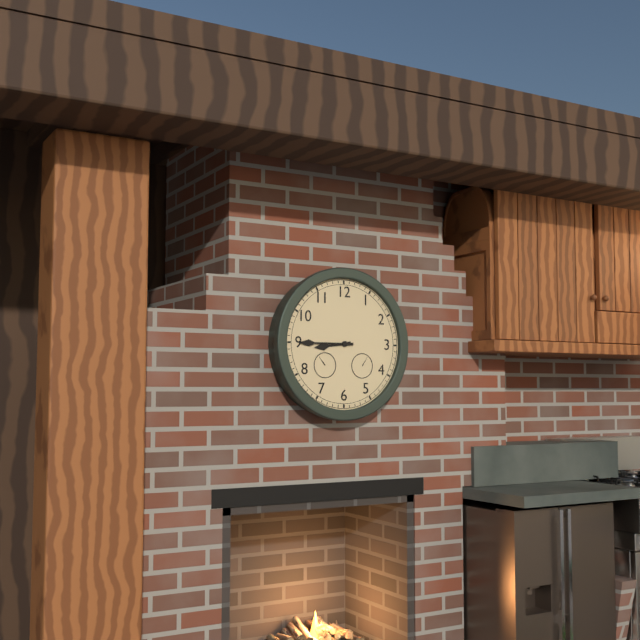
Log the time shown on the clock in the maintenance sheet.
8:45
